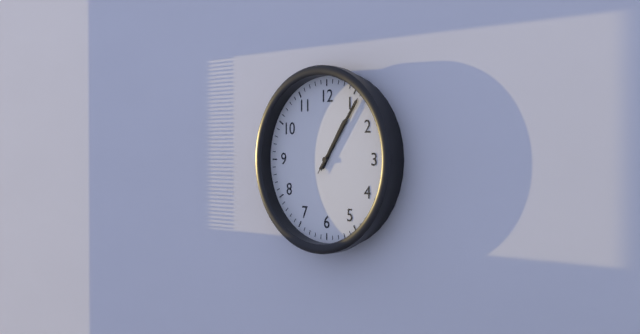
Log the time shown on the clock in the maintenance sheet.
1:06:06
